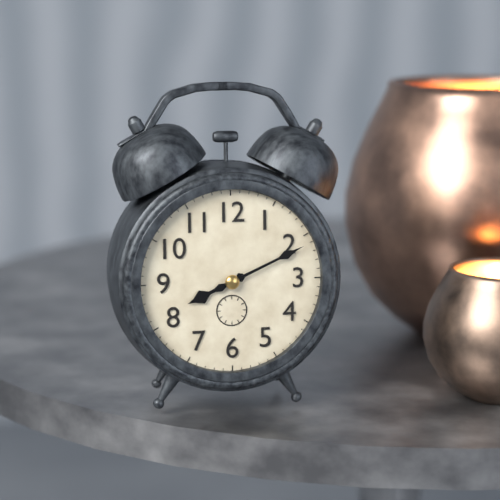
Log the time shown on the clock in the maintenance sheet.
8:11
